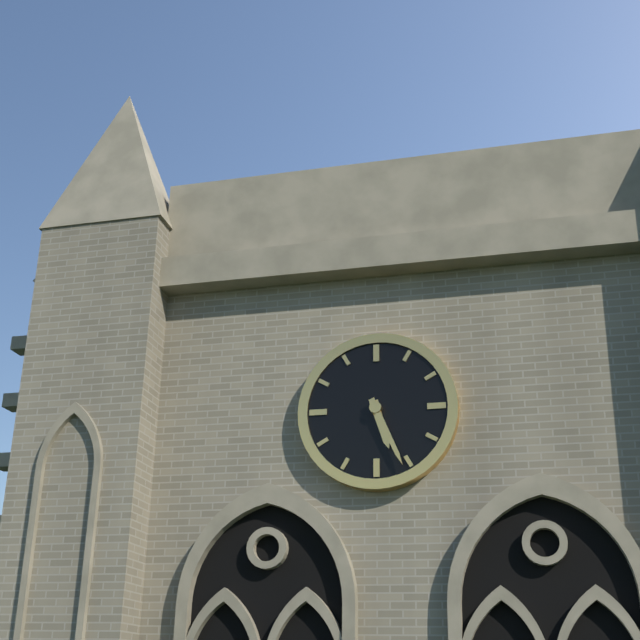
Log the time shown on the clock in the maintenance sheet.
5:26
